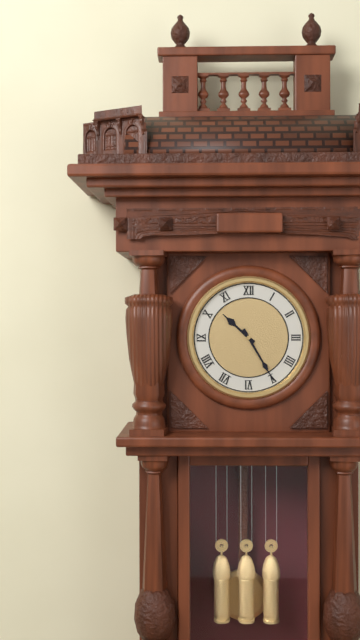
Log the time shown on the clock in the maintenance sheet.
10:25
